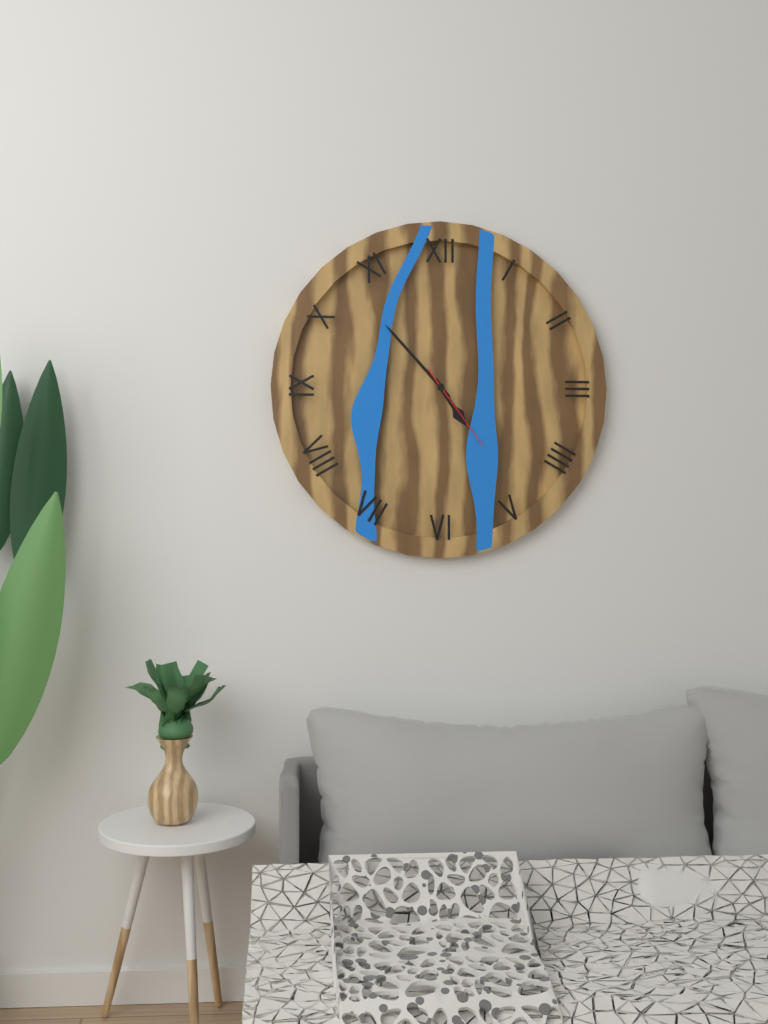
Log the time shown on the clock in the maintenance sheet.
4:53:24
